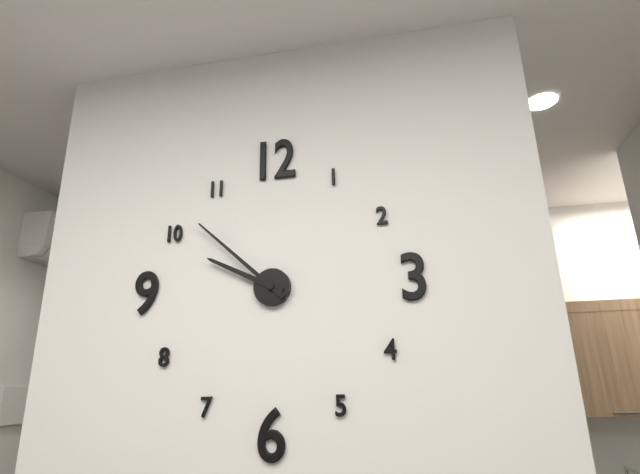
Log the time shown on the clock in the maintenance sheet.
9:52
